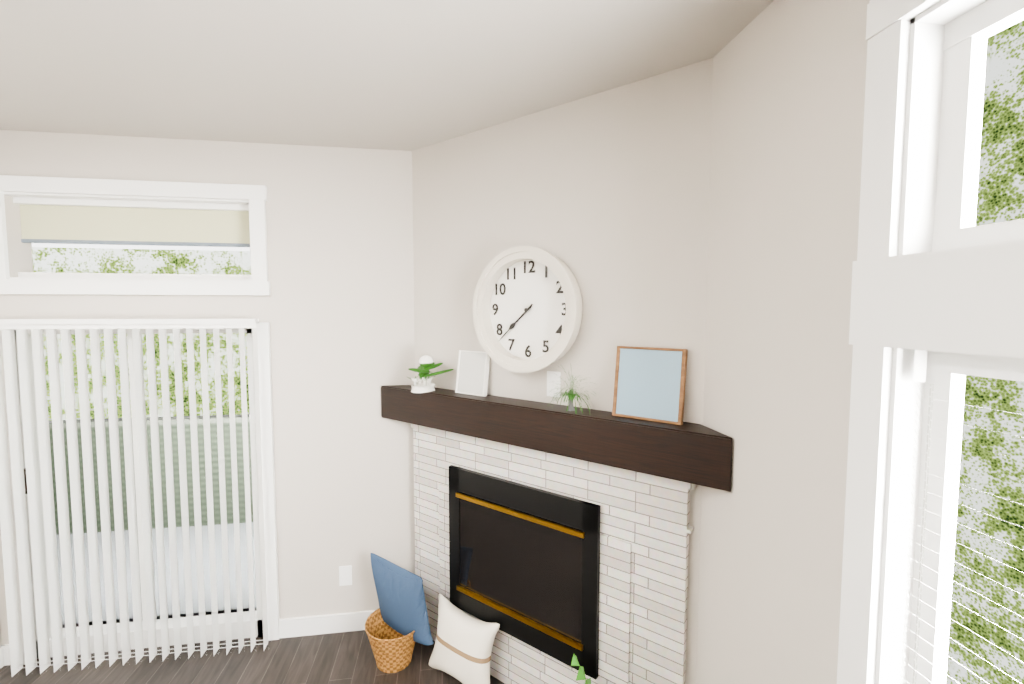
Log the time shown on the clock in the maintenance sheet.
7:38
